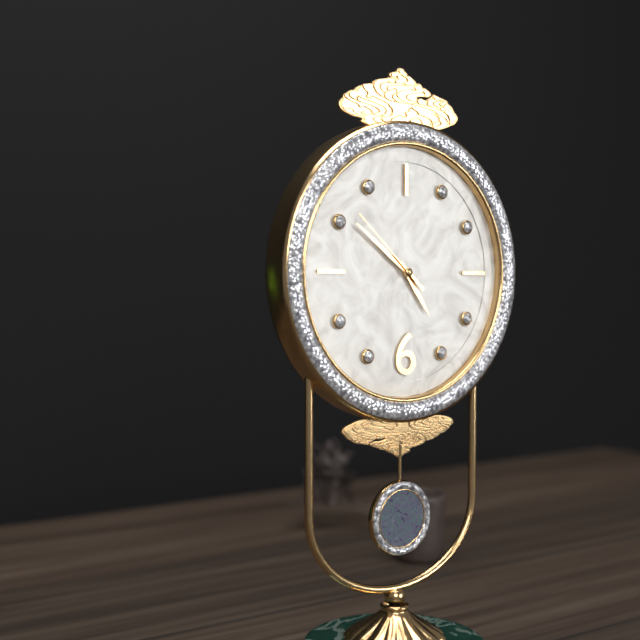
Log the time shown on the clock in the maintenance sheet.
4:51:52
